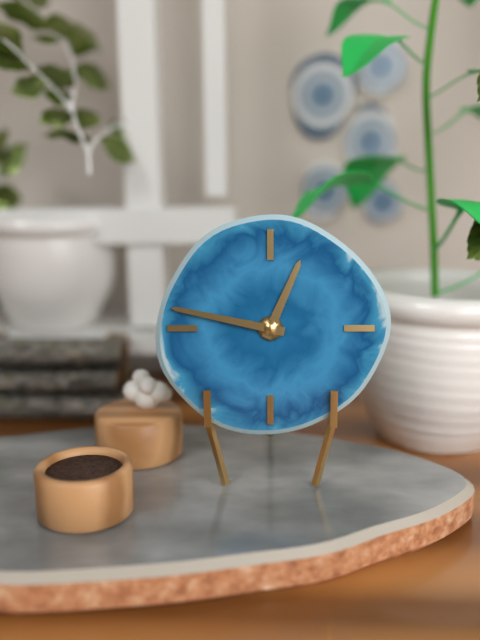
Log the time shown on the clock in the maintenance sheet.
12:47
